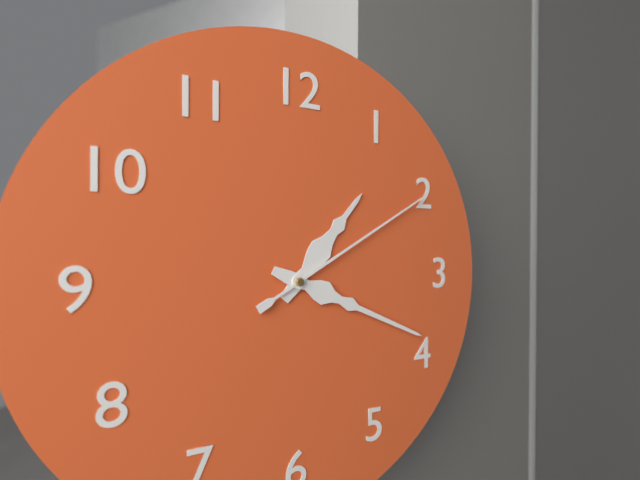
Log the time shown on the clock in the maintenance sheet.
1:19:10
